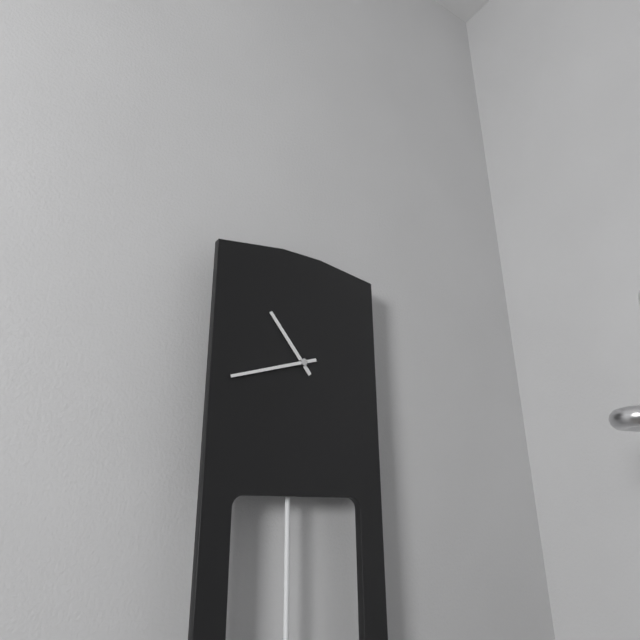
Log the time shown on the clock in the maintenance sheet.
10:42
